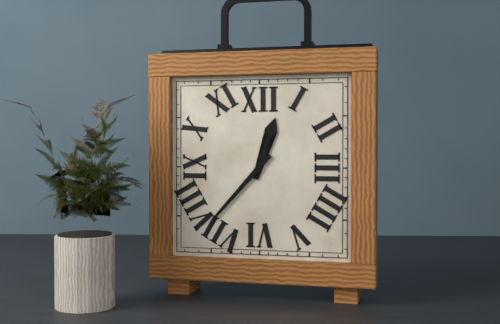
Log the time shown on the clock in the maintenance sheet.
12:37
